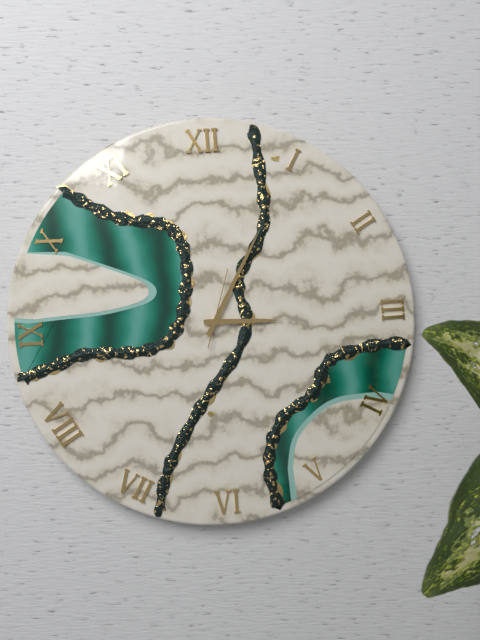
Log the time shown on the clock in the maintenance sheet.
3:05:03
